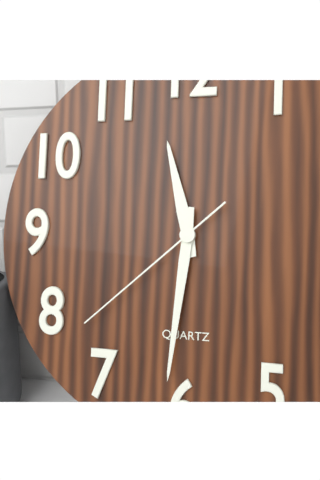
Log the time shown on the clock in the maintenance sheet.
11:31:38
